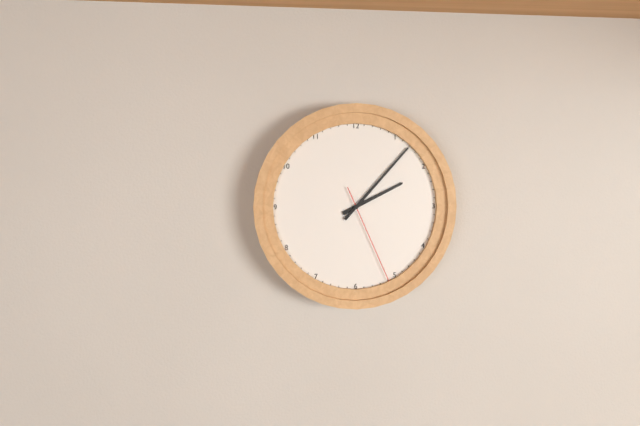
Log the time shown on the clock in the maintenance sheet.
2:07:26
